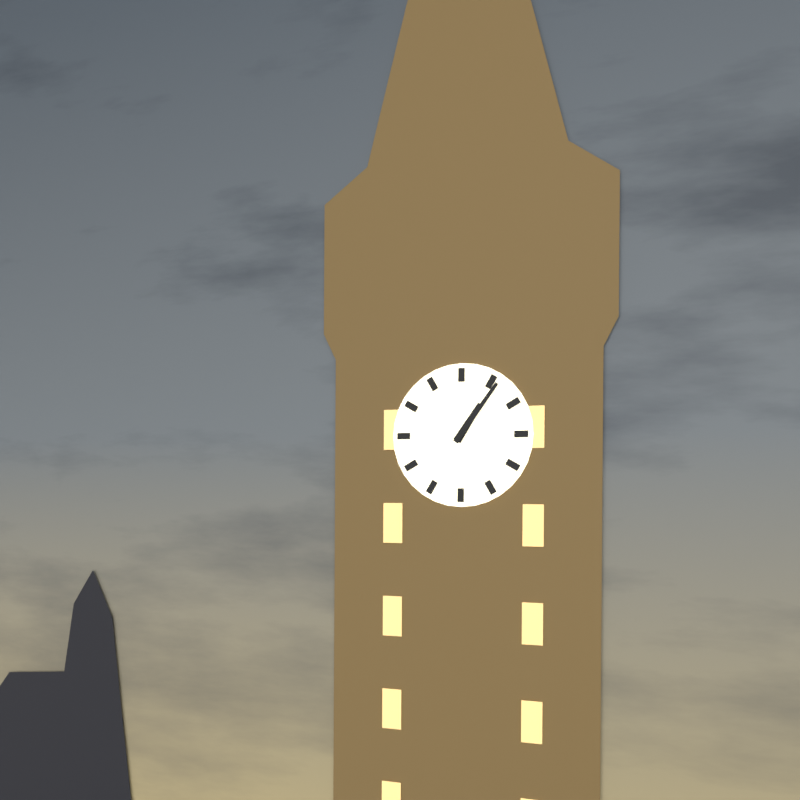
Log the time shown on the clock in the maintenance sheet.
1:06
